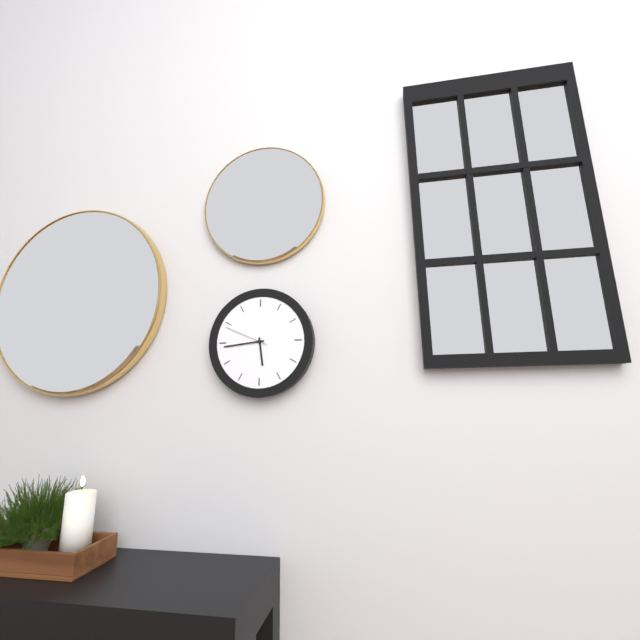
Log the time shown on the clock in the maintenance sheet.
5:44
